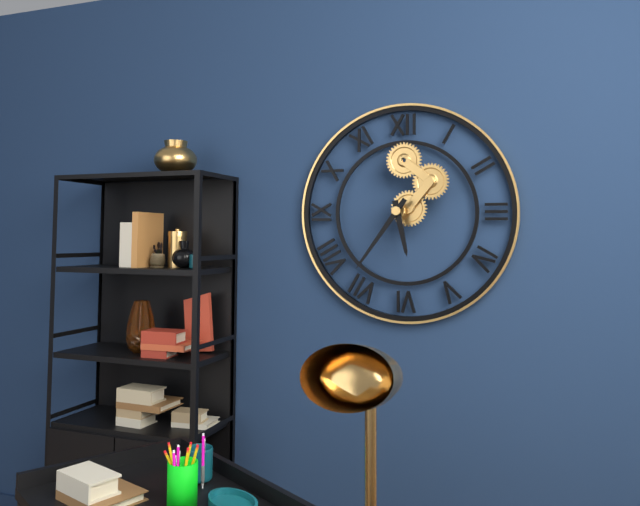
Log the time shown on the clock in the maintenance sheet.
5:36
